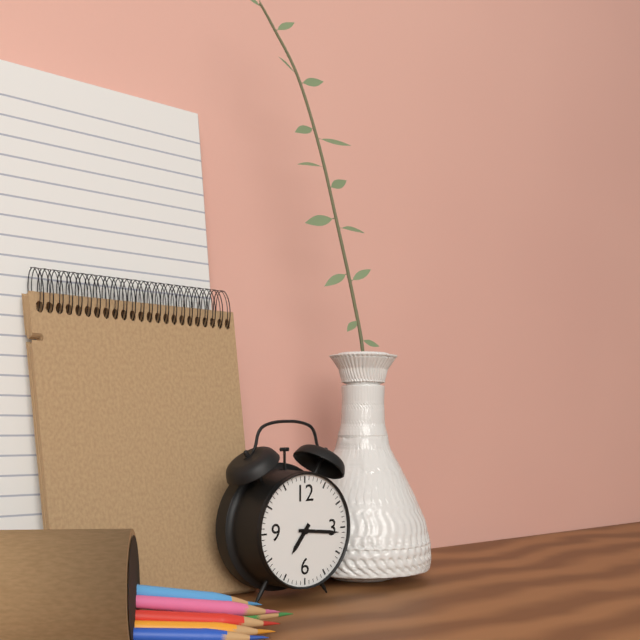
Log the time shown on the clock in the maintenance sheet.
7:16
